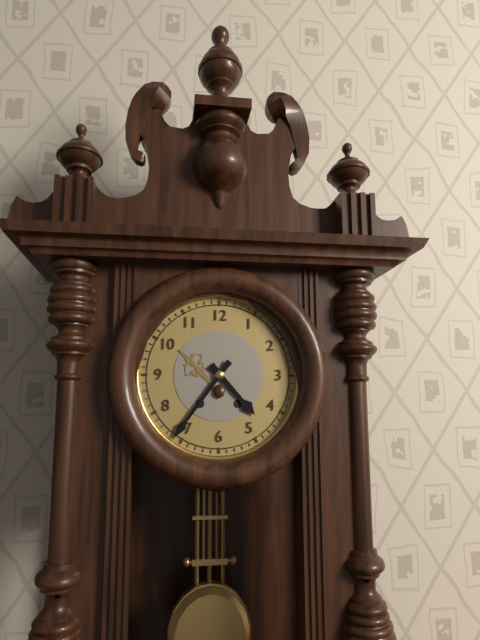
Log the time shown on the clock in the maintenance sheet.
4:36
